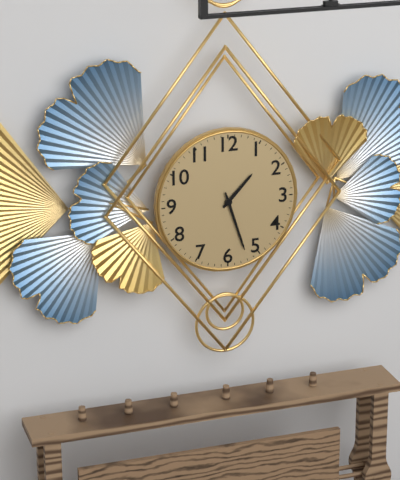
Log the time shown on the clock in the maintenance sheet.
1:27
